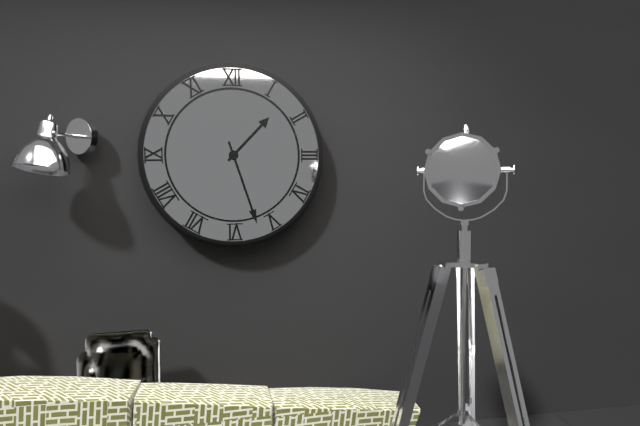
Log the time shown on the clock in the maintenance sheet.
1:27
